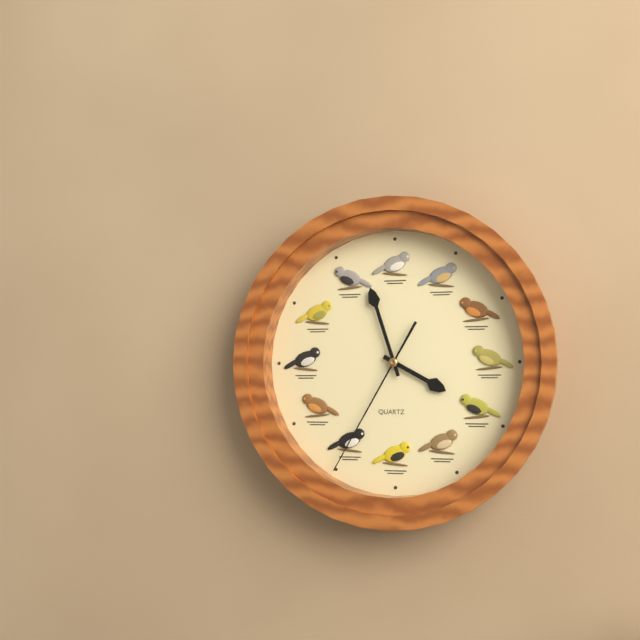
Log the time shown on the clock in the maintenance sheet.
3:57:35
